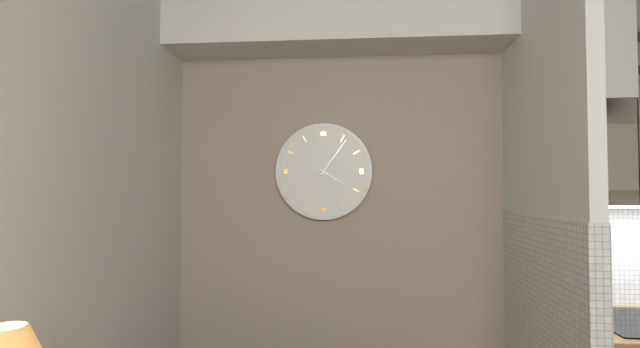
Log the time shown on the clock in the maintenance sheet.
4:06
